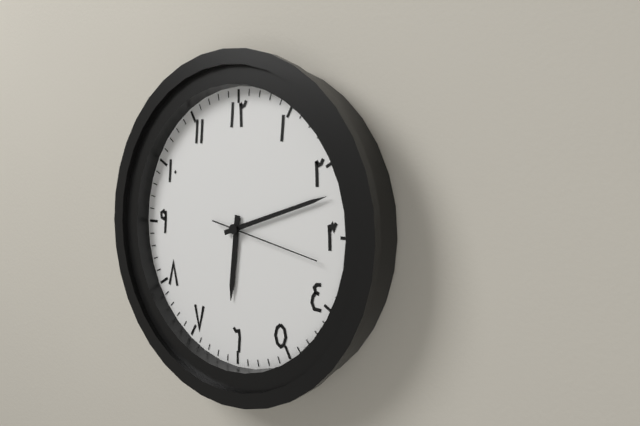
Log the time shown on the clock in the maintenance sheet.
6:12:17
